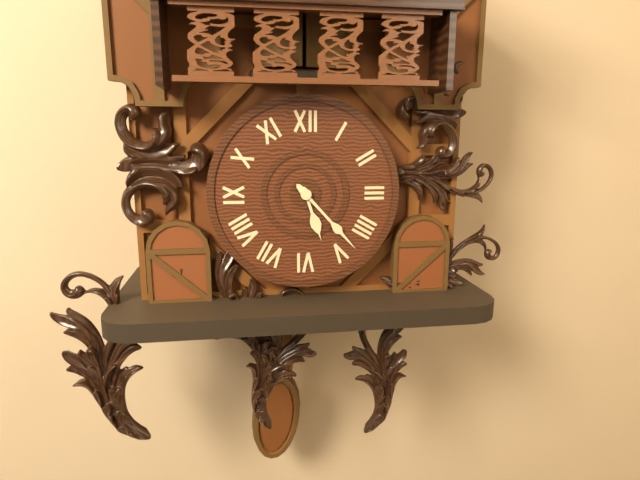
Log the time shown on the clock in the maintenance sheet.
5:23
